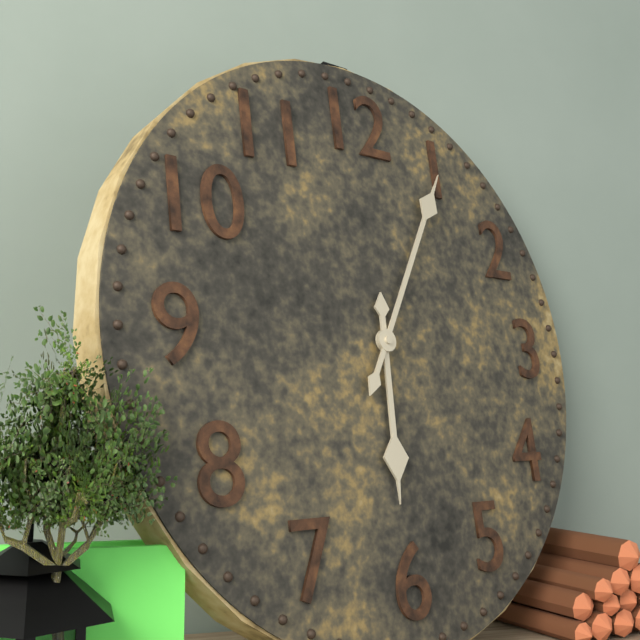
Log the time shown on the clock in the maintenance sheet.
6:05
